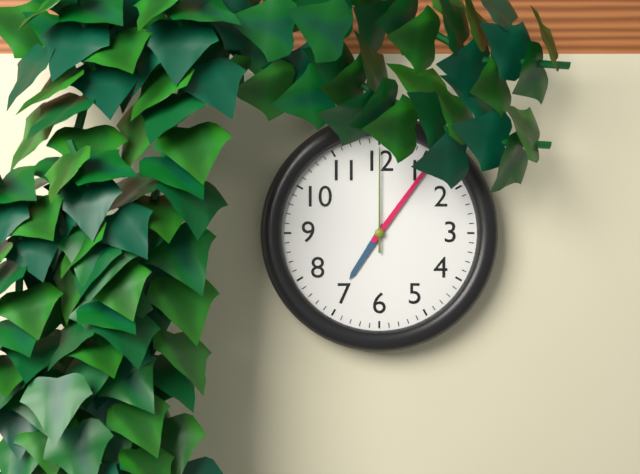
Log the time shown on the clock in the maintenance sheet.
7:06:00
